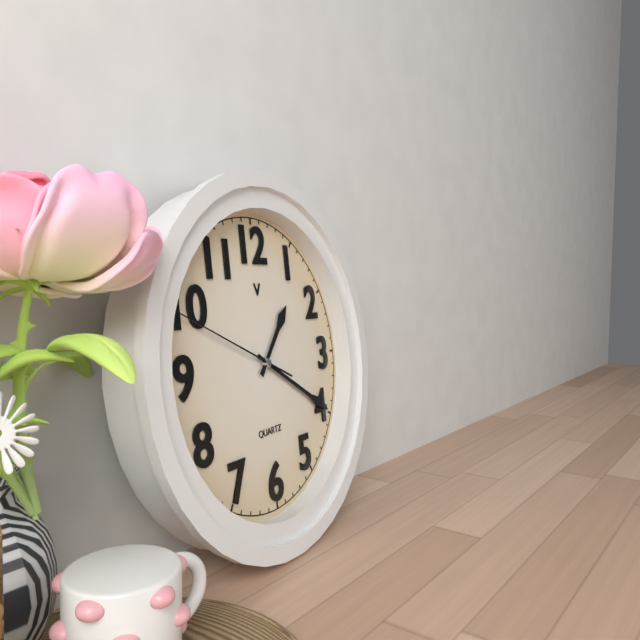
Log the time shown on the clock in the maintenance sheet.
1:20:49
